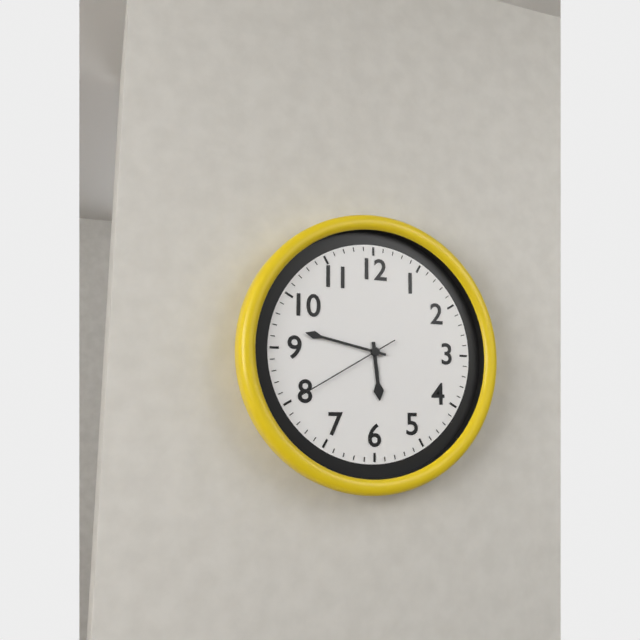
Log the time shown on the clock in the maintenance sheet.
5:47:40
